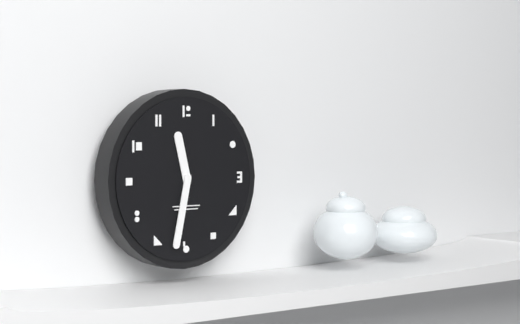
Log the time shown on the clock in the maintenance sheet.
11:32
